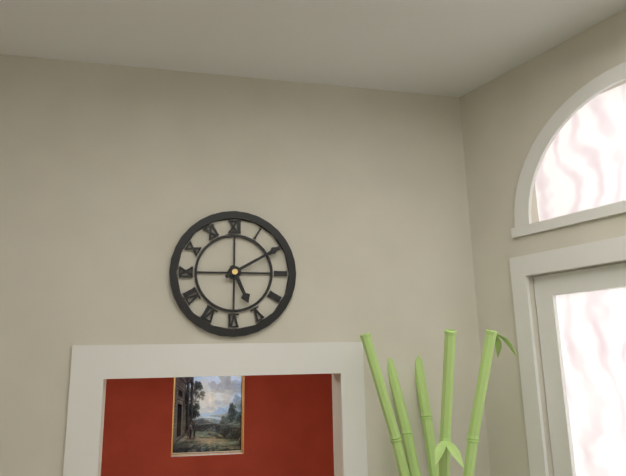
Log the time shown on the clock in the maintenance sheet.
5:10
